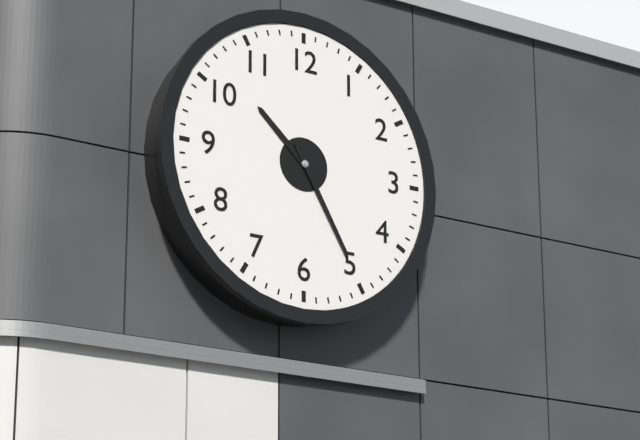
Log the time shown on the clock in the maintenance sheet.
10:25
